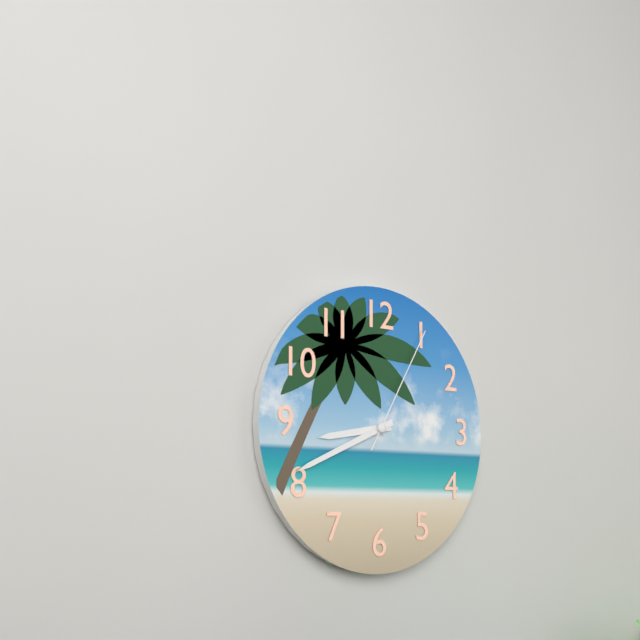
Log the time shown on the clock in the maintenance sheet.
8:41:05
